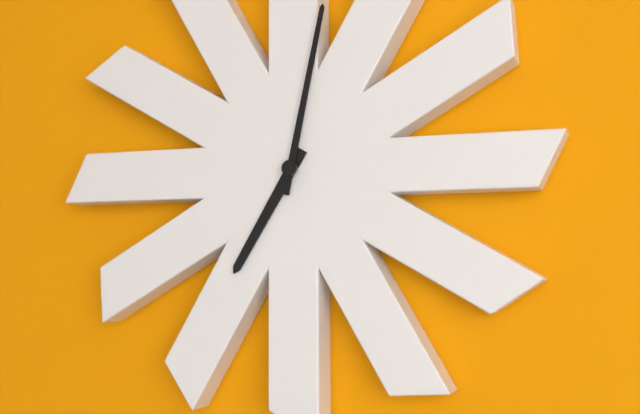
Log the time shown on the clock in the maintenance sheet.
7:02
